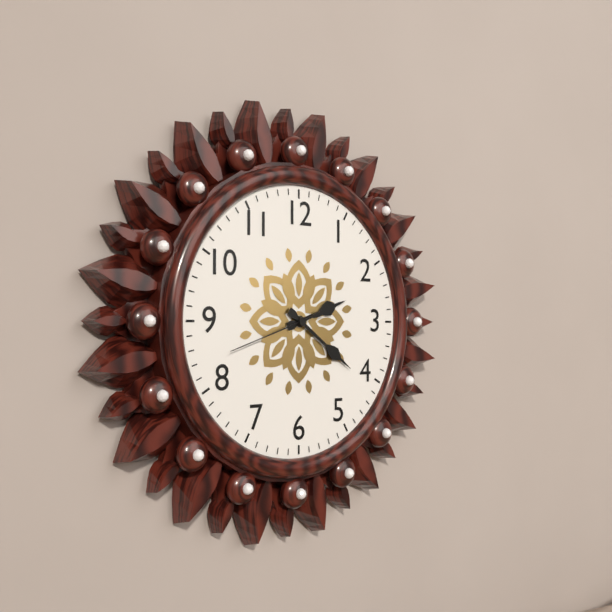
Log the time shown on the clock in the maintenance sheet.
2:21:42
